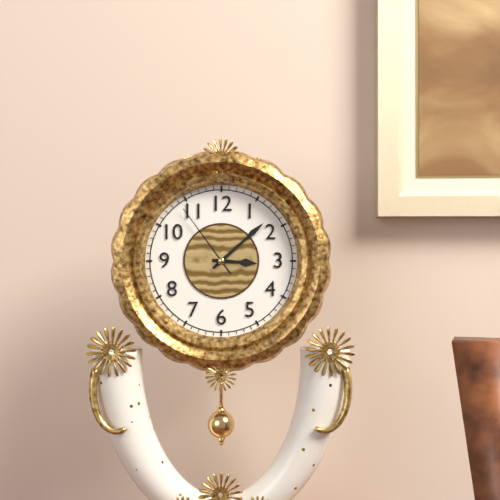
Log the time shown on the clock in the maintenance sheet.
3:08:54
